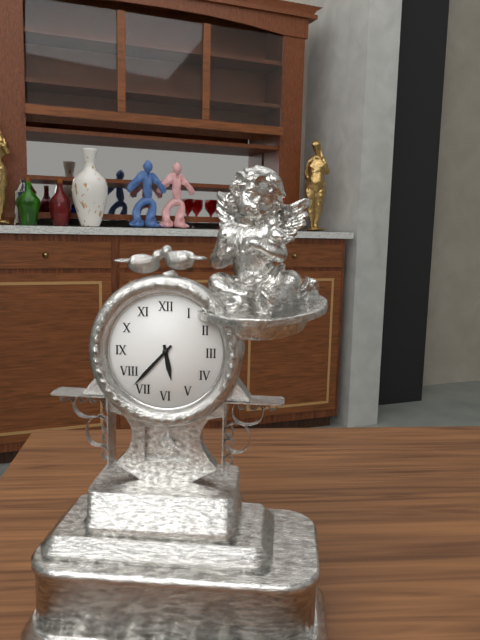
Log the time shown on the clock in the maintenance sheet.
5:37
